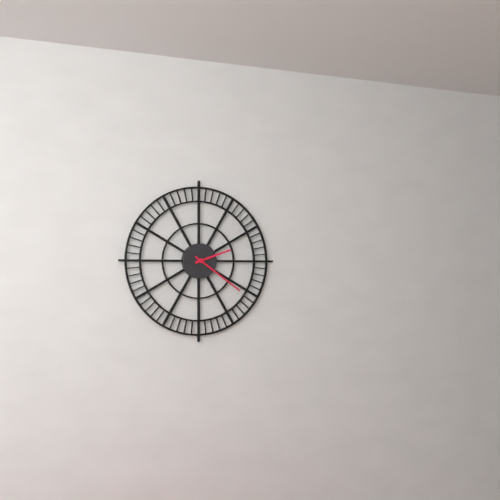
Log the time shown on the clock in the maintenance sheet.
2:21
